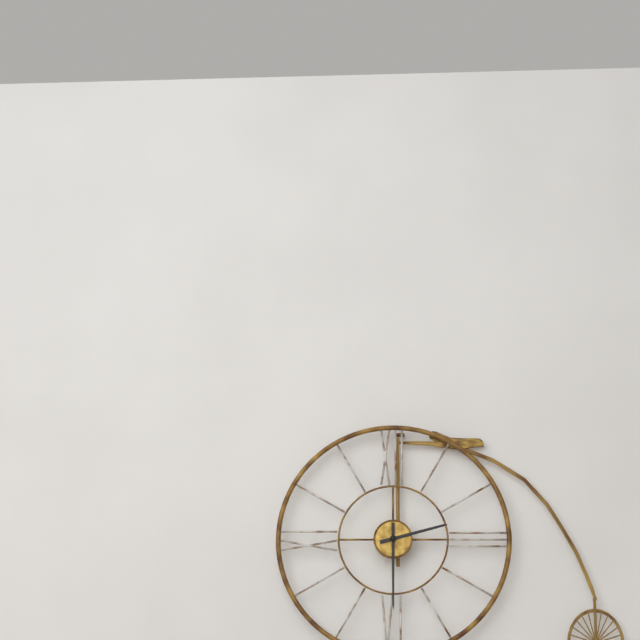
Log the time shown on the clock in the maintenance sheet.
2:30
